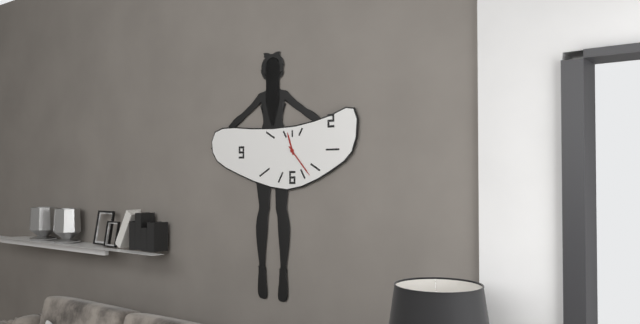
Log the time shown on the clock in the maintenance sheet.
11:23
